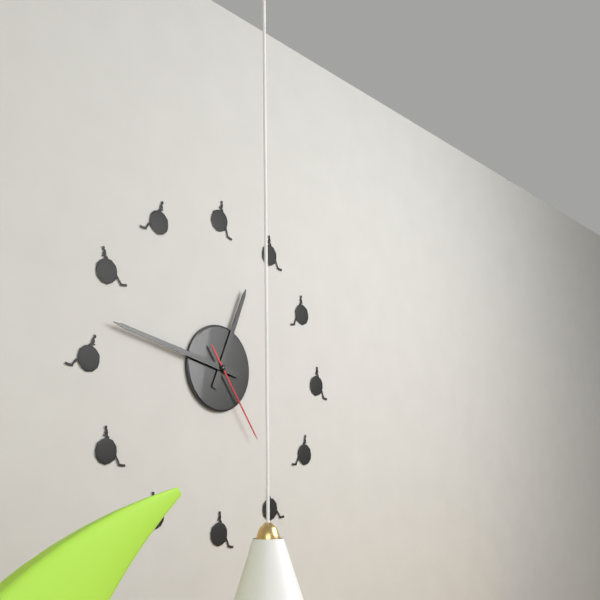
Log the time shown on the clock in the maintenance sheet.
12:47:24
